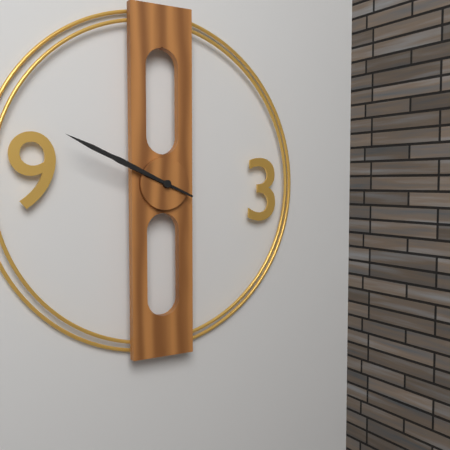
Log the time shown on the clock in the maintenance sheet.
9:49
